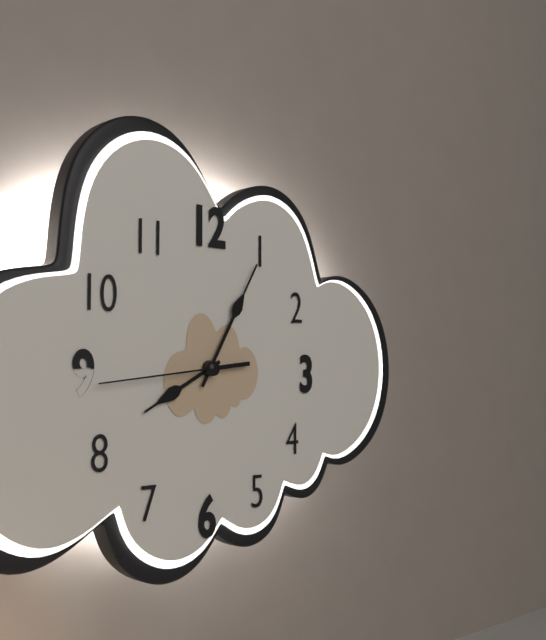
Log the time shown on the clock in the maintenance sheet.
8:05:44
